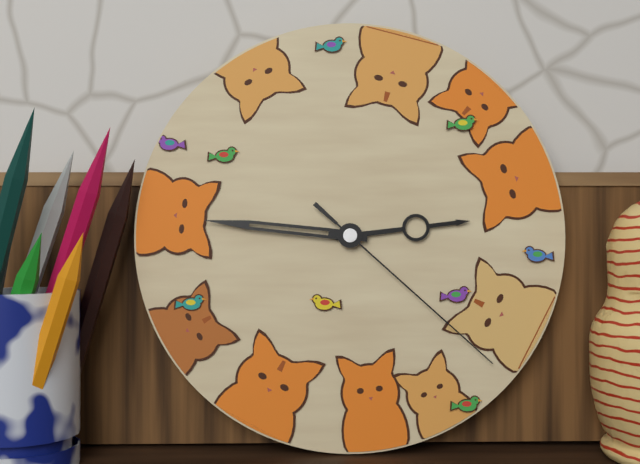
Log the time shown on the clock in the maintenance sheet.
2:46:22
